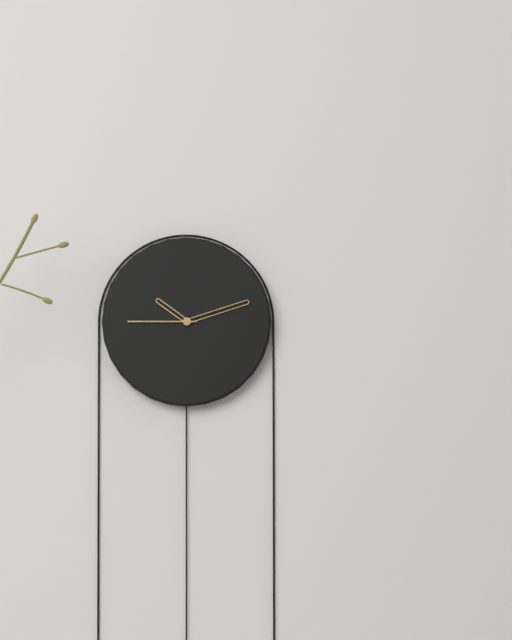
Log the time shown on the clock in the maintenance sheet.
10:12:45
